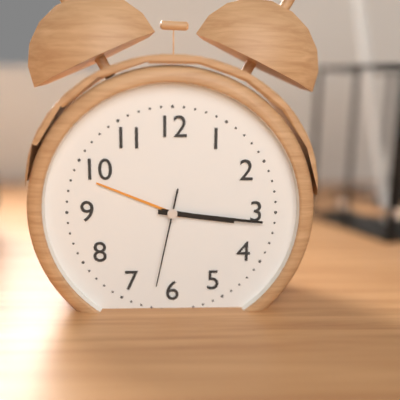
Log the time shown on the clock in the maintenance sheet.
3:16:32
